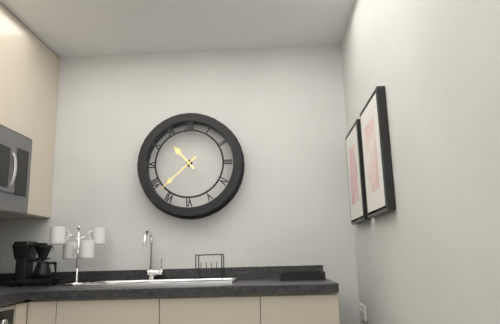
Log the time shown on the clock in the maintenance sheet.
10:38
